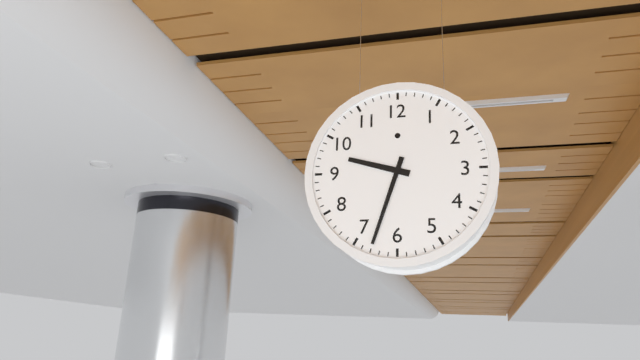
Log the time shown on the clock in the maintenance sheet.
9:33
